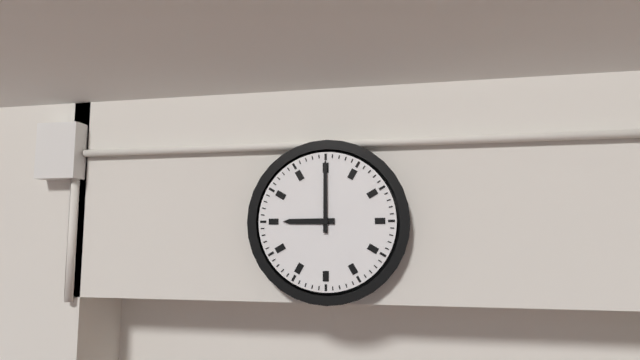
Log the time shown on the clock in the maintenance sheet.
9:00
